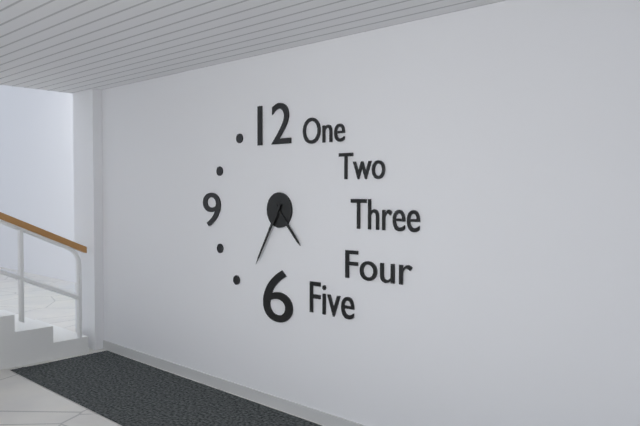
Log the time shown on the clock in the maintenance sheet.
4:35
